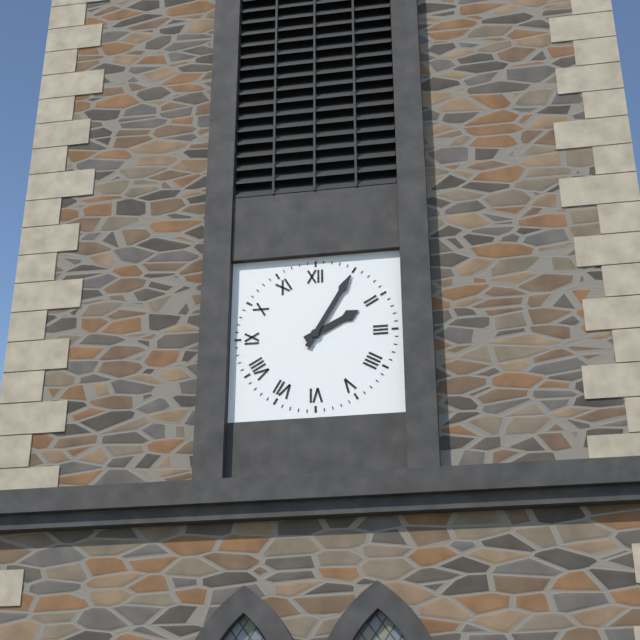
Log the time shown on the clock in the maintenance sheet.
2:05
